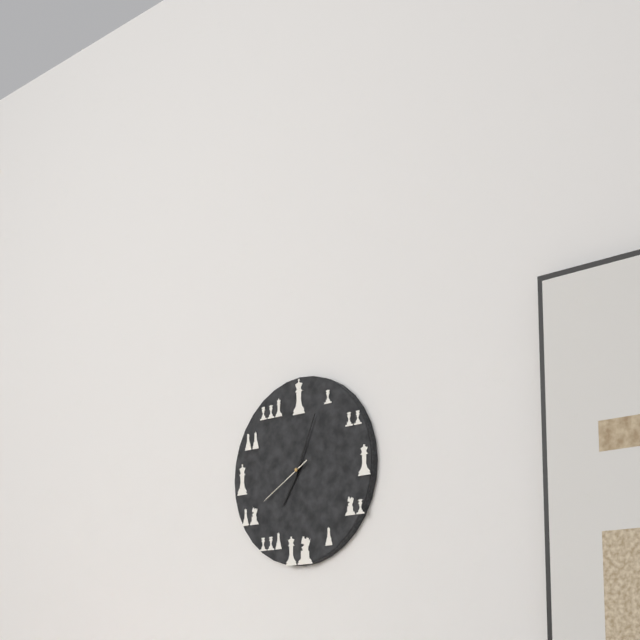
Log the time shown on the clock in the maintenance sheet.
7:04:40
